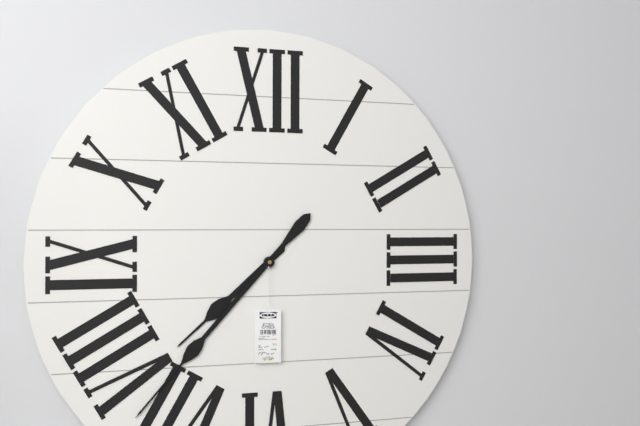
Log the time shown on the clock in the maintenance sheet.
7:37
